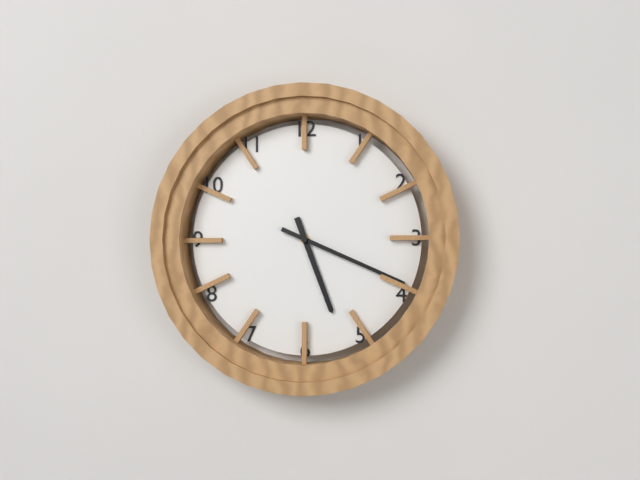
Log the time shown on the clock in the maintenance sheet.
5:19
